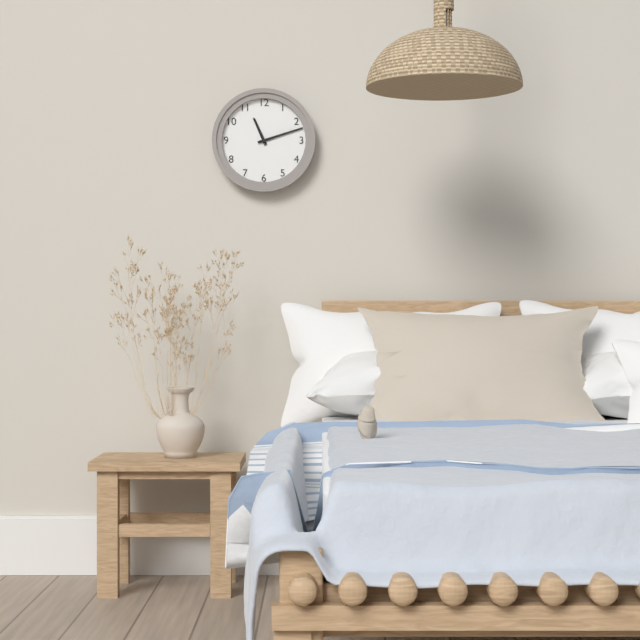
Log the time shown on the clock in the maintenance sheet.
11:12
